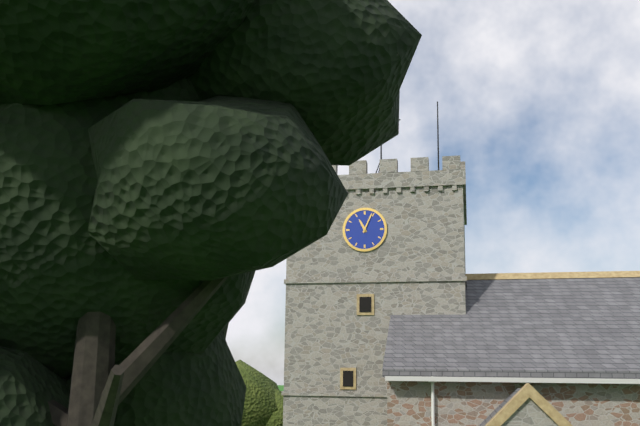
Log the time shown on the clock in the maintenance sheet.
11:04
